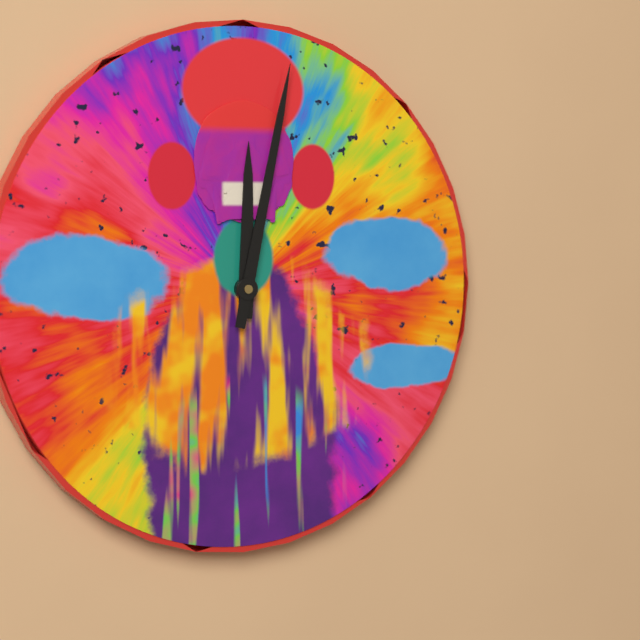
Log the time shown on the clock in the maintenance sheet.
12:02
